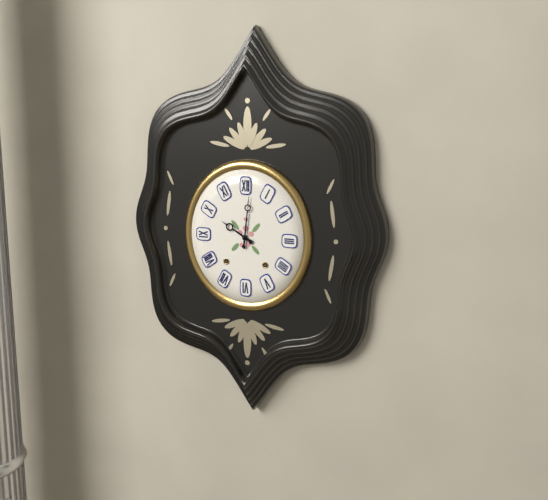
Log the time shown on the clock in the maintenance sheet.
10:01
